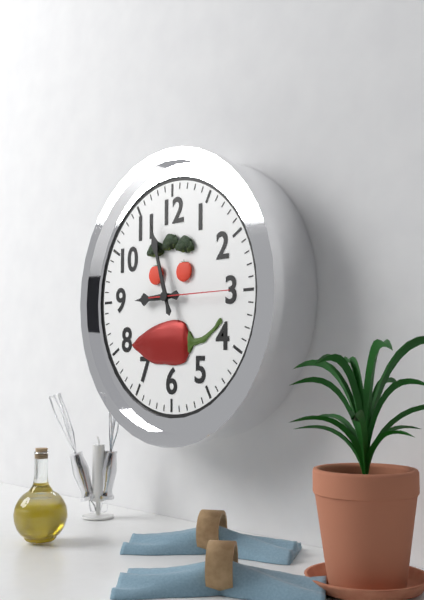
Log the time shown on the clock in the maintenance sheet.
8:57:15
